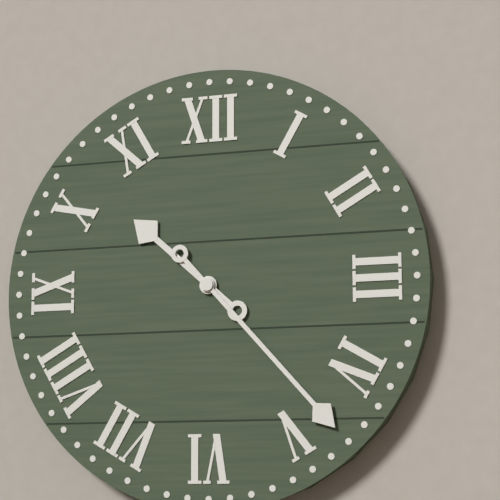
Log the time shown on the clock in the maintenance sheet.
10:23
